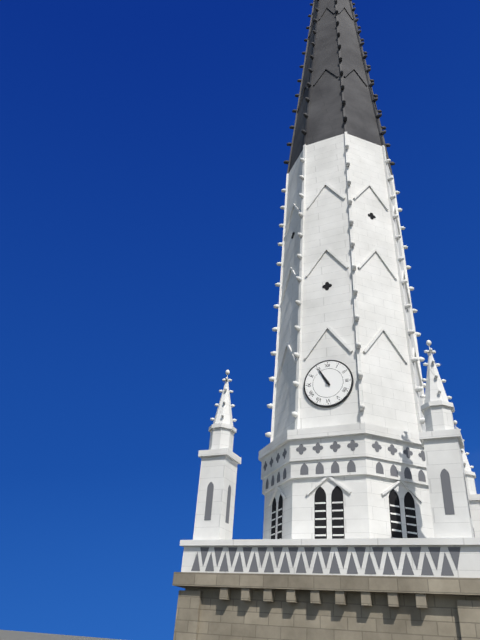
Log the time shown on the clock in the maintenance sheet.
10:55
